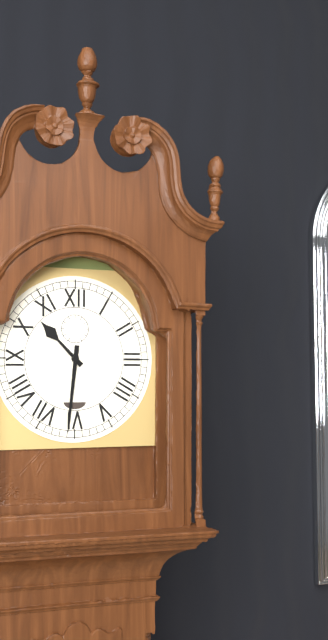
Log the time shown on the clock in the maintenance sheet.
10:31
